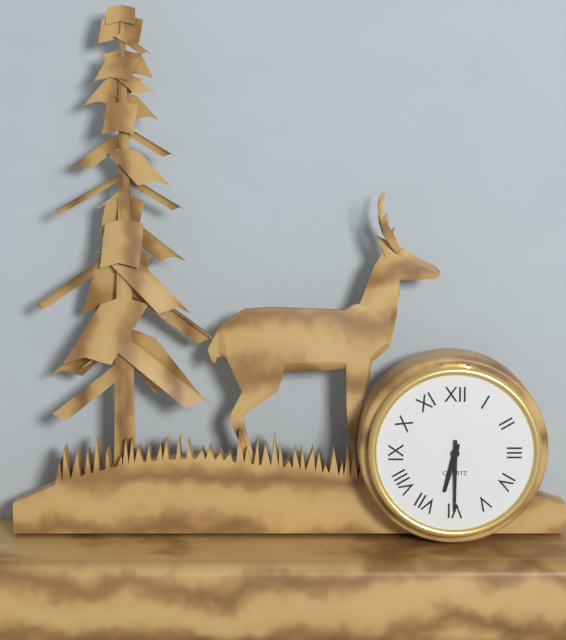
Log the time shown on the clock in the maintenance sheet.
6:30
